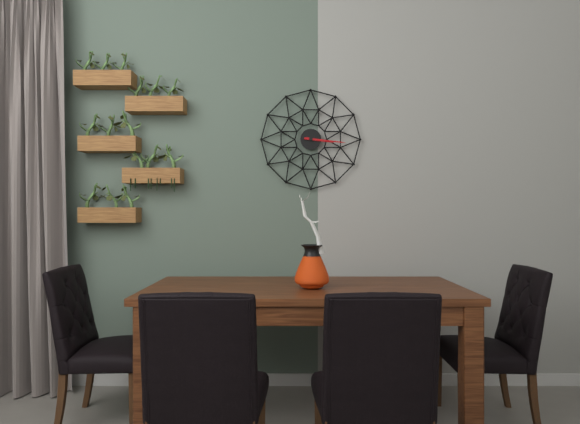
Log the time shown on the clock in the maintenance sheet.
3:16
